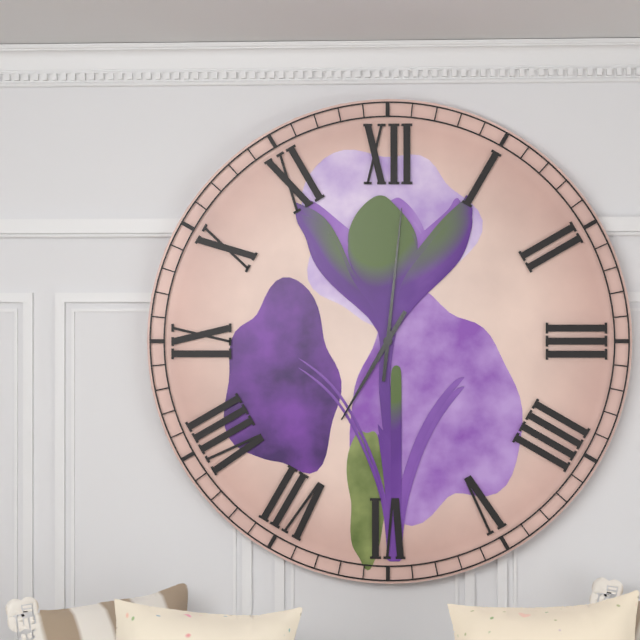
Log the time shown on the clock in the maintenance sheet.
7:01
